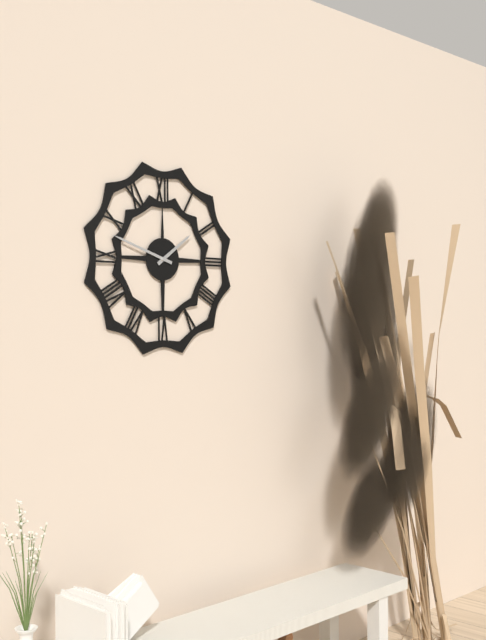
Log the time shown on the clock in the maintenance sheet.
1:48
